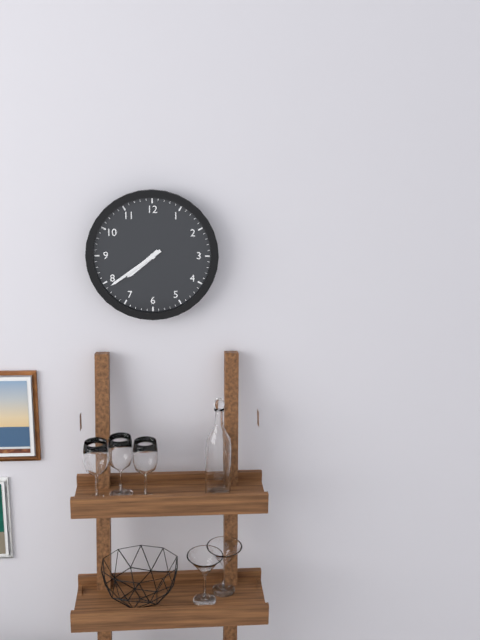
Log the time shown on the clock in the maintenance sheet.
7:39
